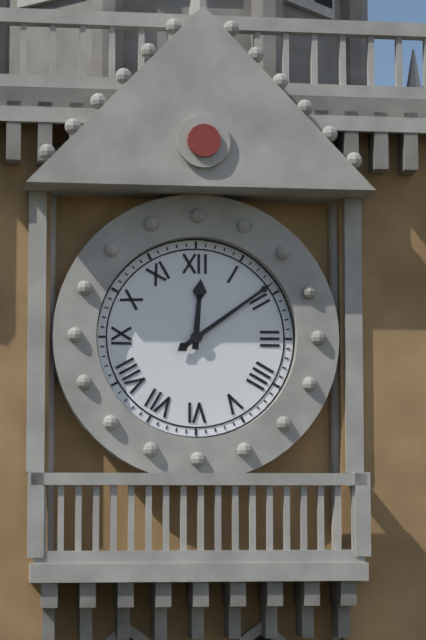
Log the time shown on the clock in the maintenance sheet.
12:09
